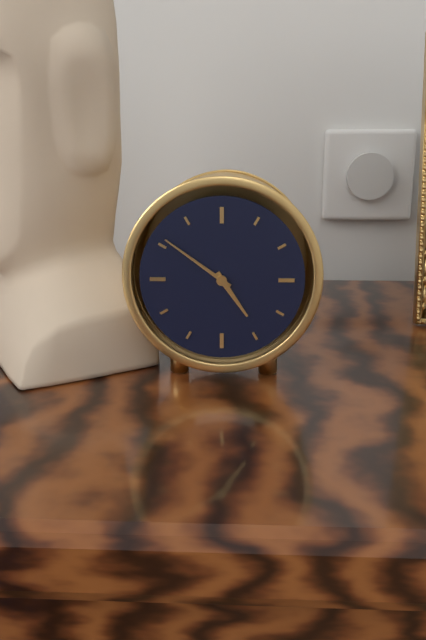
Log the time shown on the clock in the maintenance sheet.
4:51
